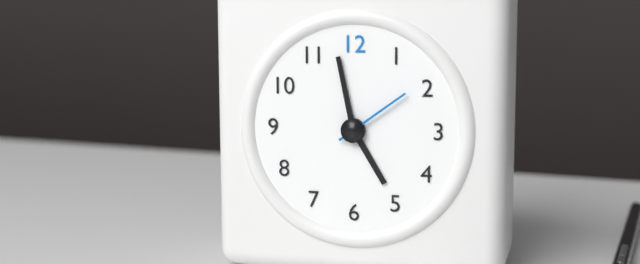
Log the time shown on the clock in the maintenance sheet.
4:58:09
